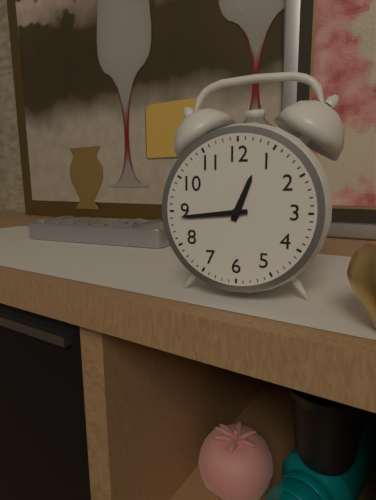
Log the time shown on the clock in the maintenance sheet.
12:44
